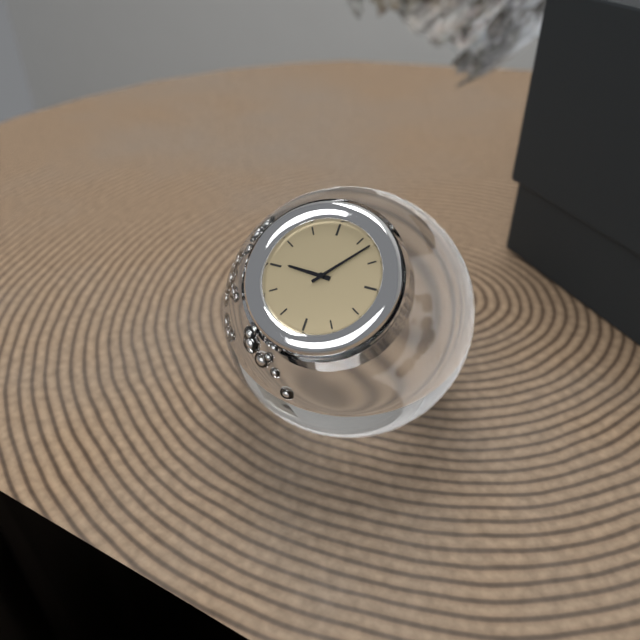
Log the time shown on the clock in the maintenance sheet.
9:07
